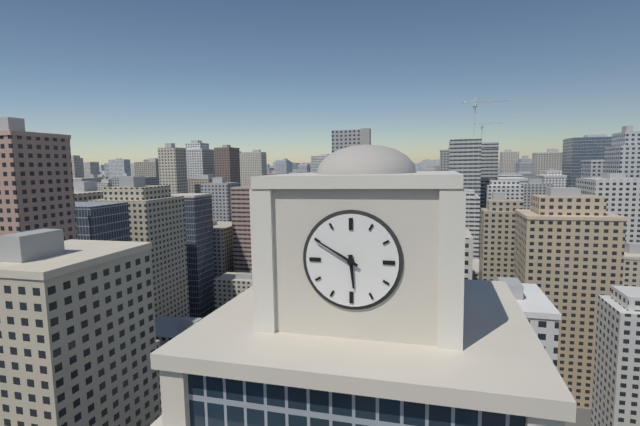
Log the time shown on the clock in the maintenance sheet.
5:50
